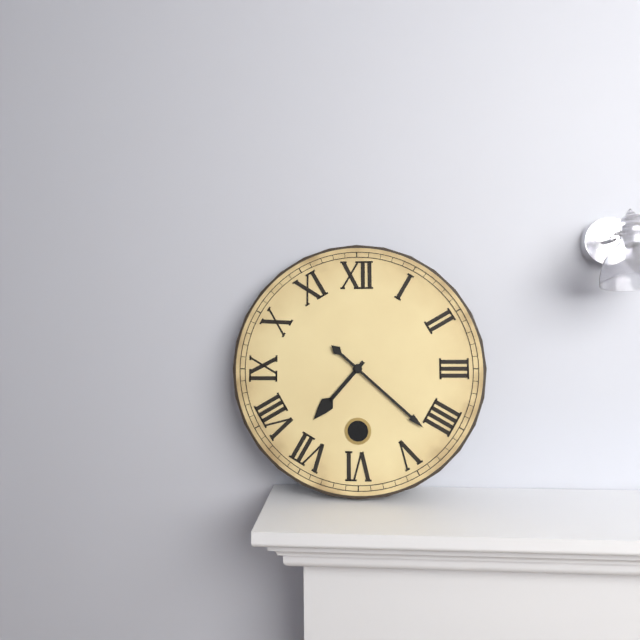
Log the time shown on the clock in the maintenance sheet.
7:22
